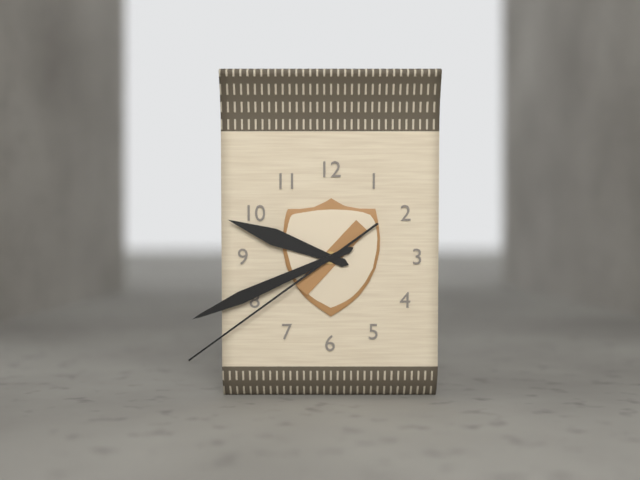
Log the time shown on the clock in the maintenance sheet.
9:41:39
